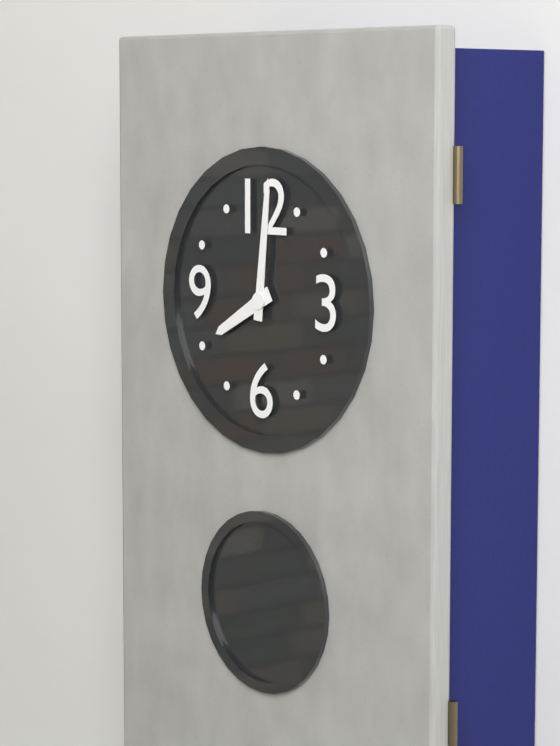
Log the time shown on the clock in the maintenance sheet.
8:01
